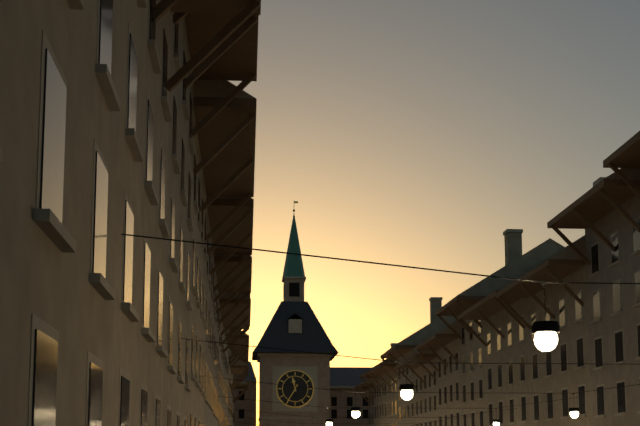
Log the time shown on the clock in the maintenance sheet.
11:35
